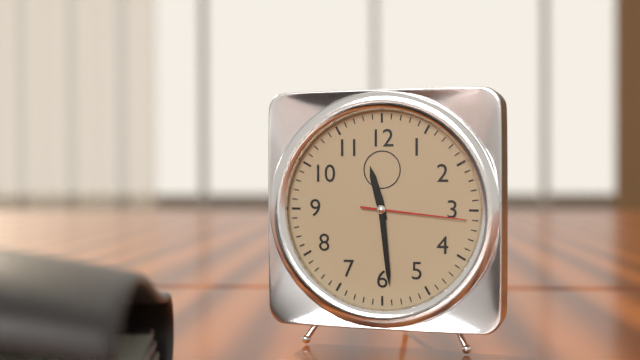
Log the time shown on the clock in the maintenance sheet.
11:29:16
